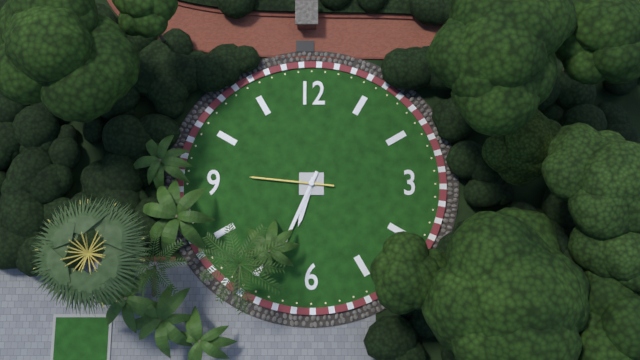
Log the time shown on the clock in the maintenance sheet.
6:34:46
